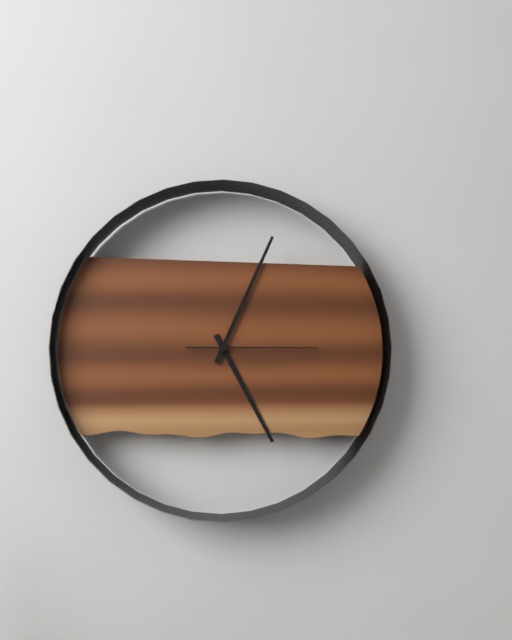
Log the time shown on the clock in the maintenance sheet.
5:04:15
